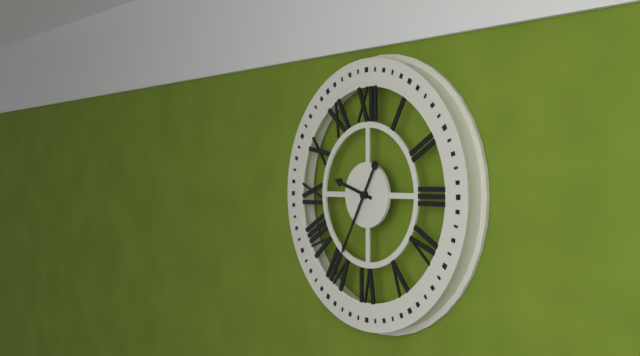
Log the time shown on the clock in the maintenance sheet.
9:35
